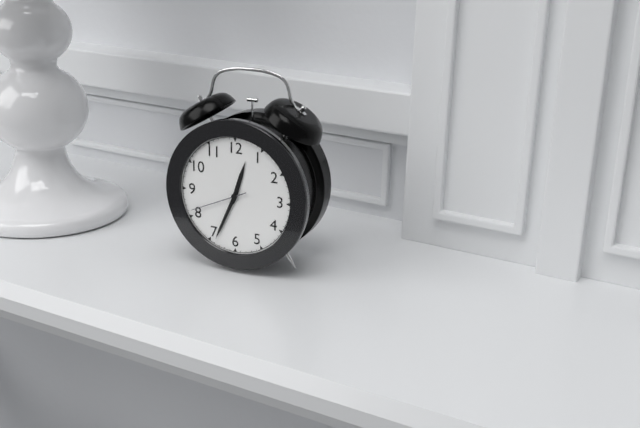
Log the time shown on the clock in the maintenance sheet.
12:34:41
